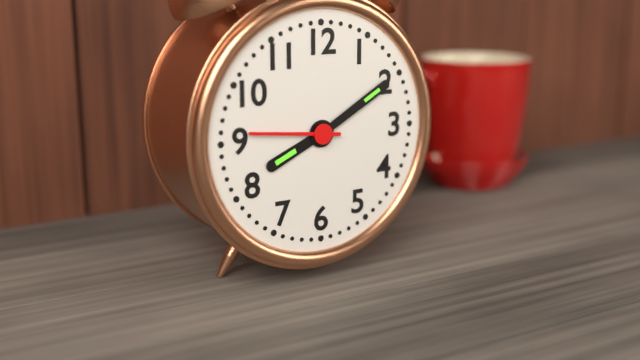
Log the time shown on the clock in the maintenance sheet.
8:10:46
